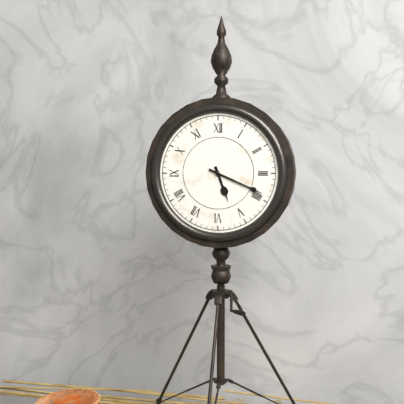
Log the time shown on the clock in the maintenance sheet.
5:19
